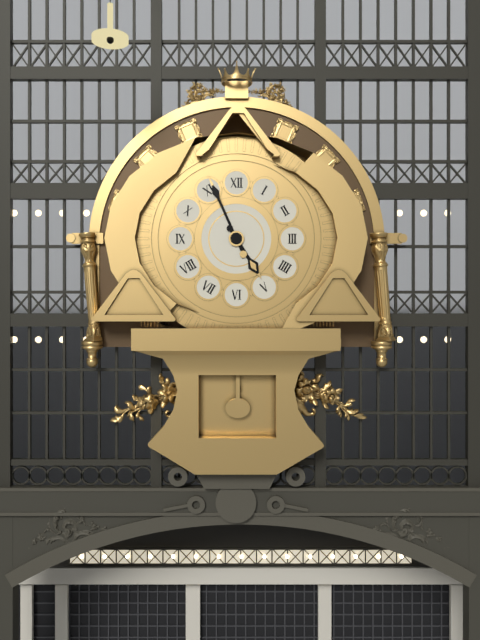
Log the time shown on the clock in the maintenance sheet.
4:56
